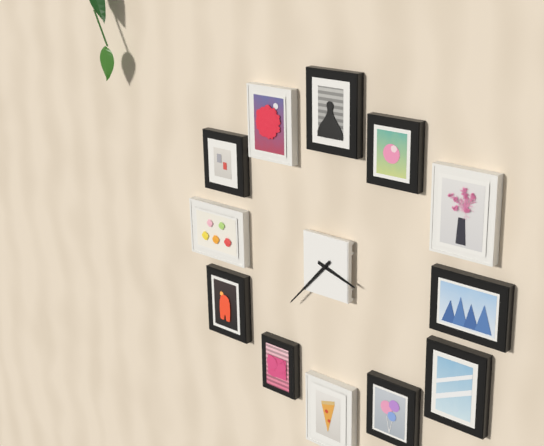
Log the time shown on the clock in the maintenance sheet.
3:37
